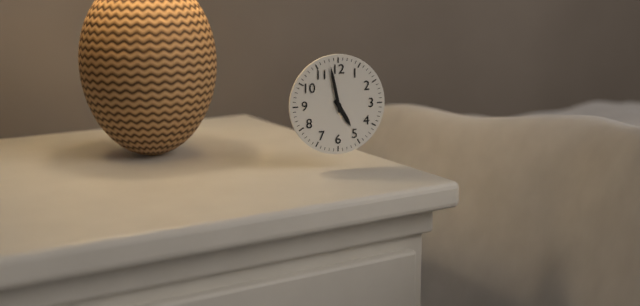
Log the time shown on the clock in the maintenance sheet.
4:58
